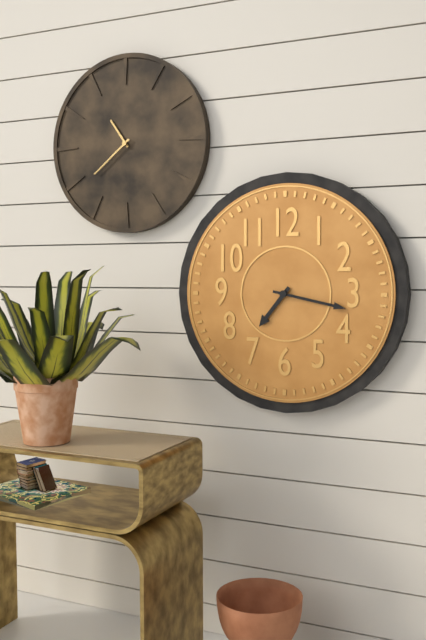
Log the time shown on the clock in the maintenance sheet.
7:17
